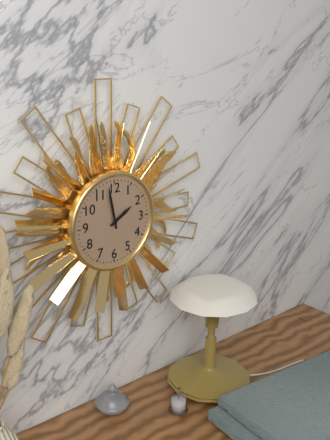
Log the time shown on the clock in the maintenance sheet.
1:58
